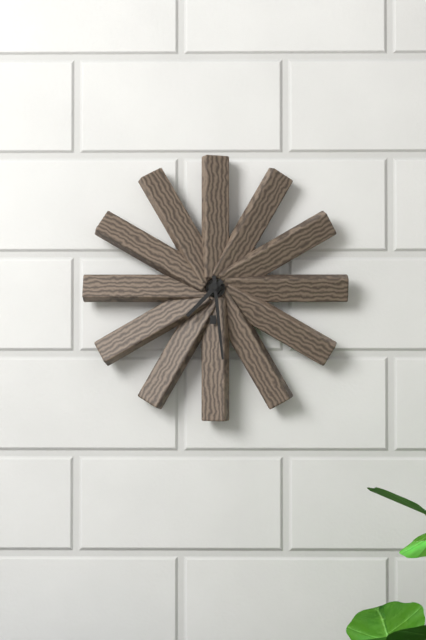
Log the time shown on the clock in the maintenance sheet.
7:29
